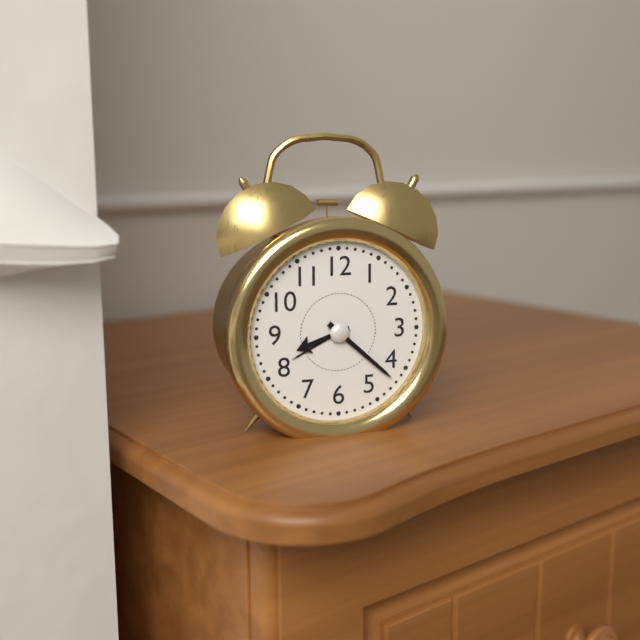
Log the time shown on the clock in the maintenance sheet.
8:22
